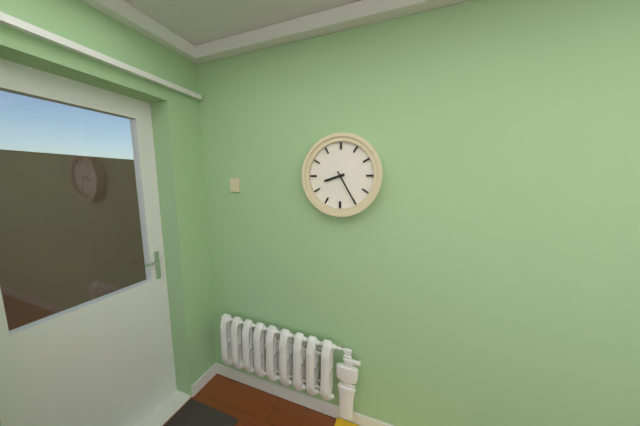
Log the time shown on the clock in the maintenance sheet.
8:25
